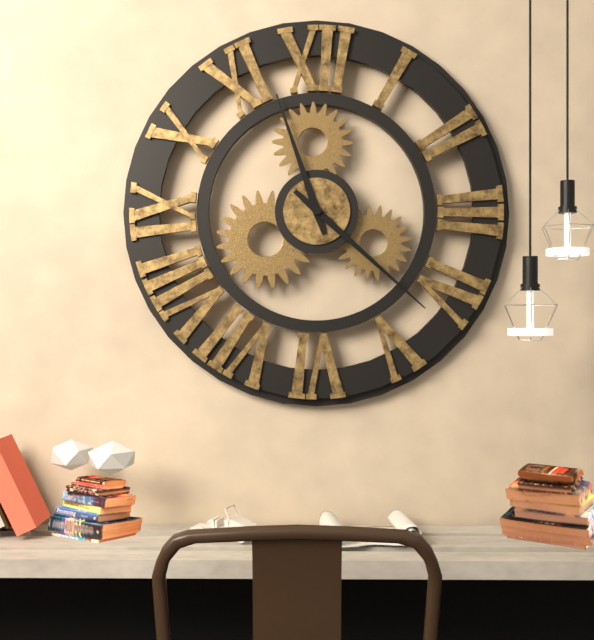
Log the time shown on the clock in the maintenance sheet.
11:22
